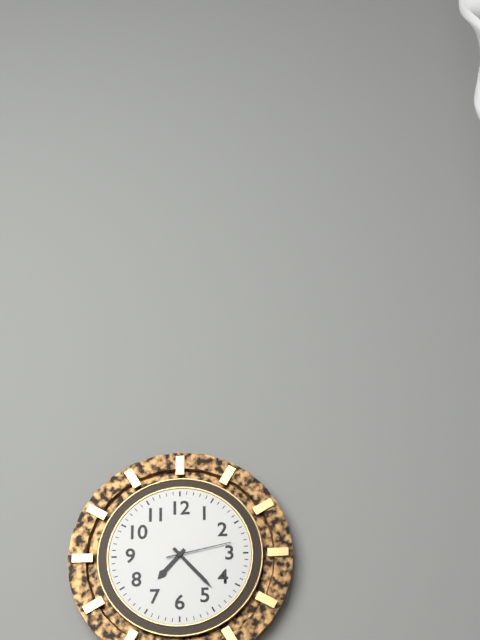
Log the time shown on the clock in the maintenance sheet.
7:23:13
